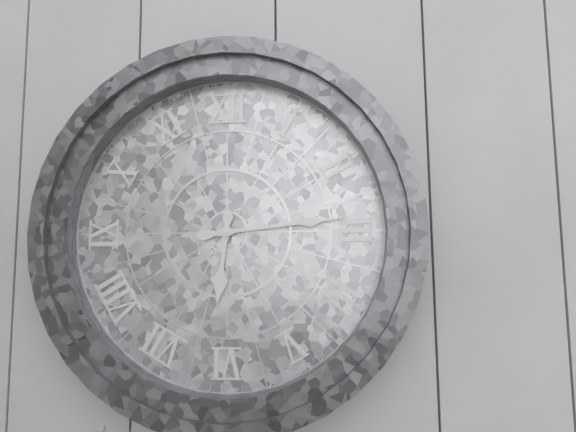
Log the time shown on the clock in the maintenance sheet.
6:14
